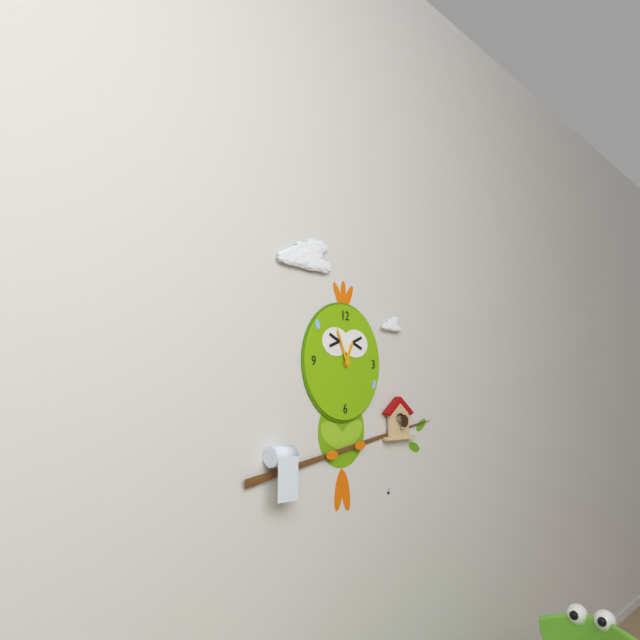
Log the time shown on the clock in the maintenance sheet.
12:56
